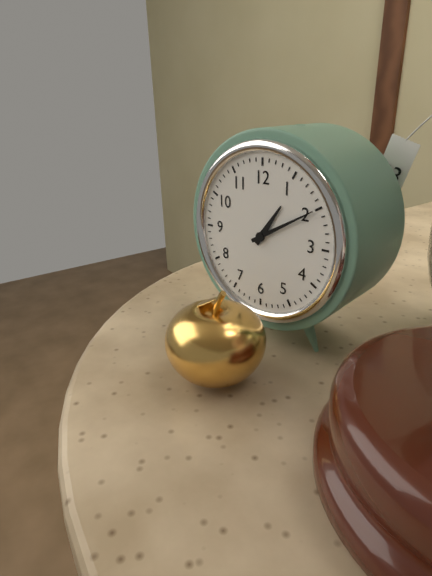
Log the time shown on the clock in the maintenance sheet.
1:10
